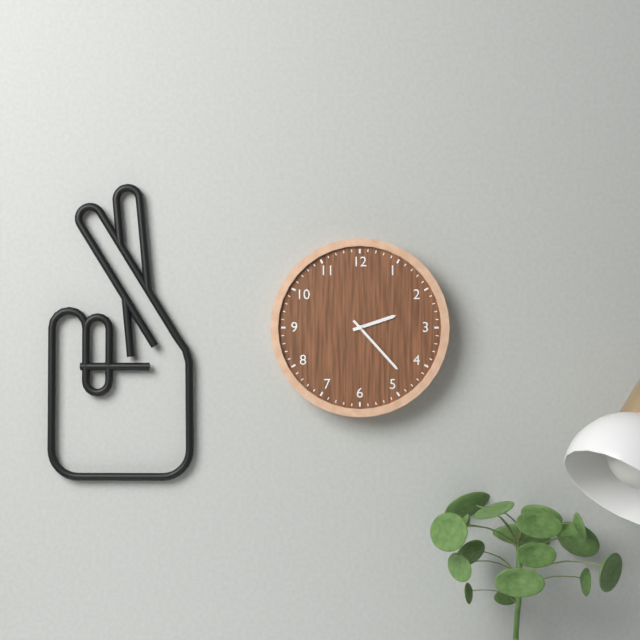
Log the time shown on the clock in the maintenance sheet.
2:23
